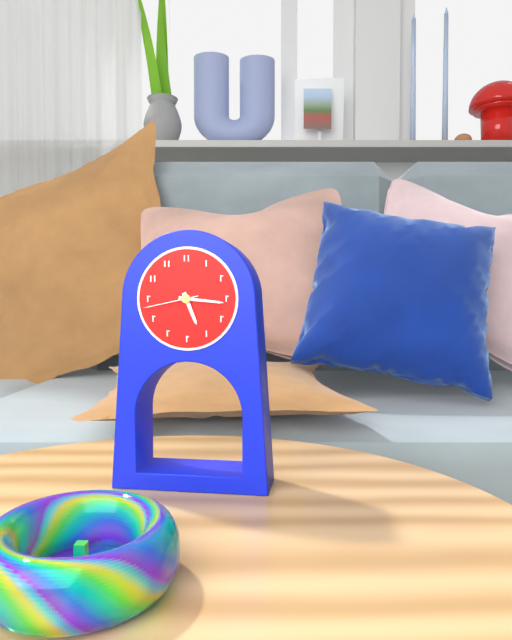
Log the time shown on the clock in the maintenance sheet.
5:16:43
